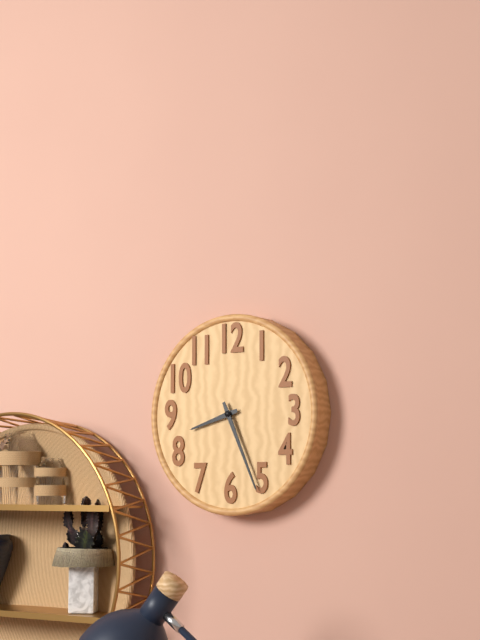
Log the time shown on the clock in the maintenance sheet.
8:26
